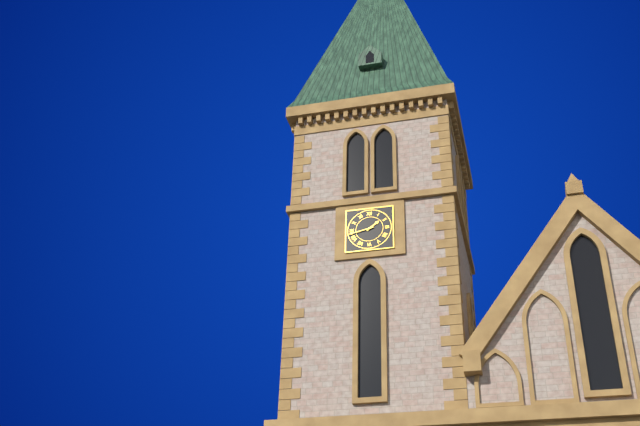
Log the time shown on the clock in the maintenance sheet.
1:43
